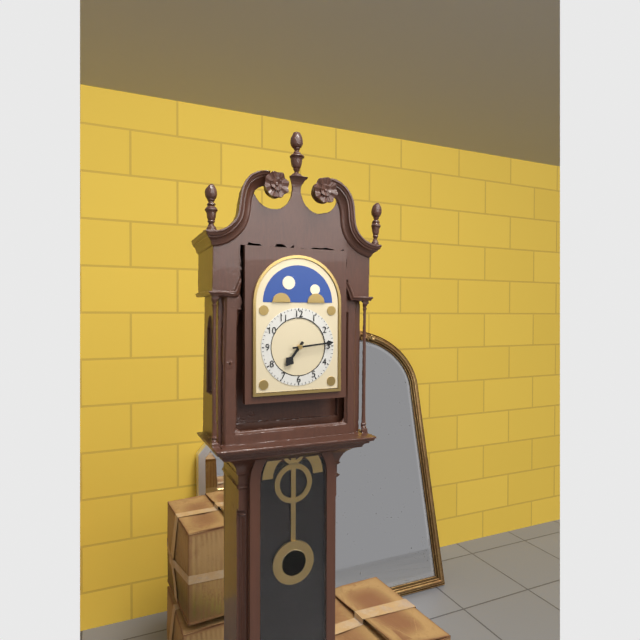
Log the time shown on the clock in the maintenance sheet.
7:14
